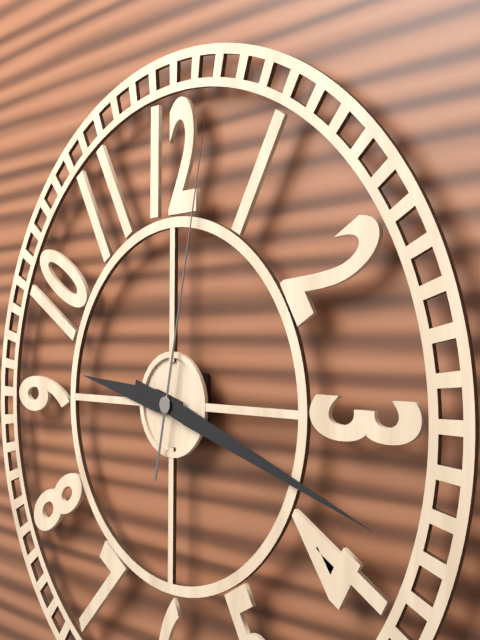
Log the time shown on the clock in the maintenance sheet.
9:18:02
